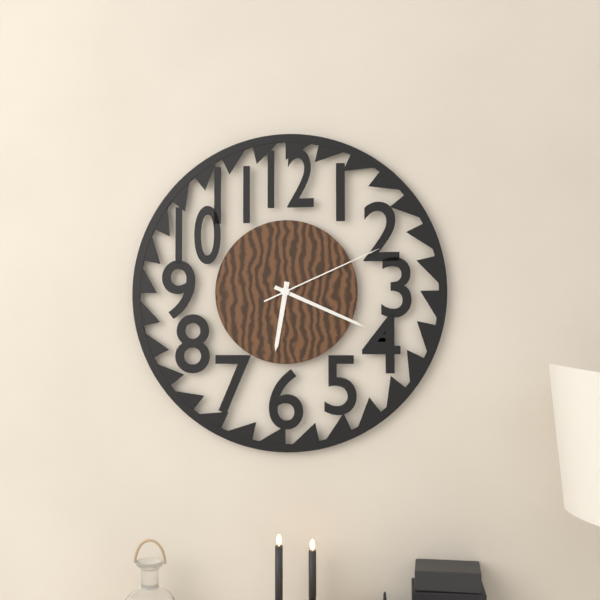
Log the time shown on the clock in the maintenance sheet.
6:19:11
